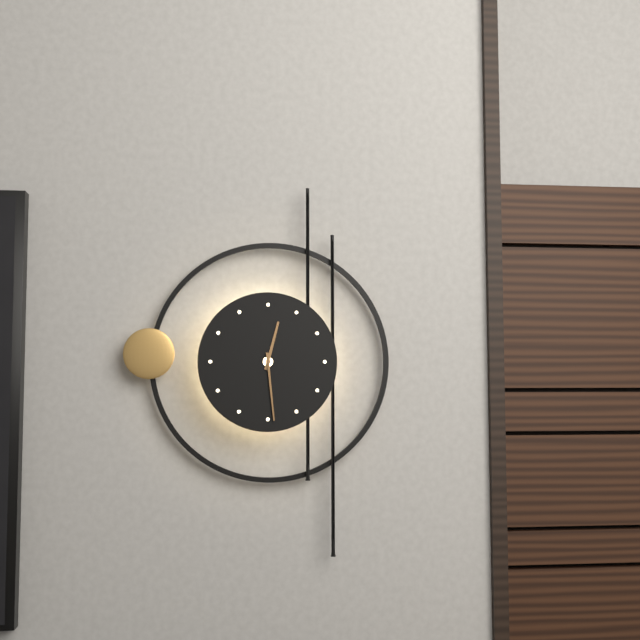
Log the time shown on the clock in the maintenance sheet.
12:29
